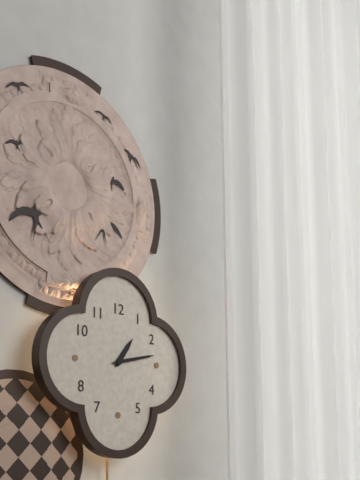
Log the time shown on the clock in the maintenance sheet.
1:13
